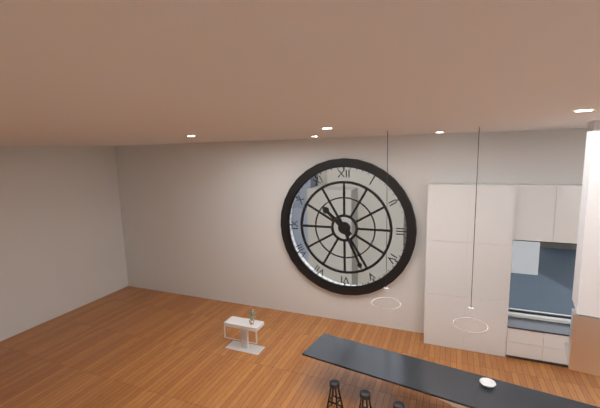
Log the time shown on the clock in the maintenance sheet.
10:26
